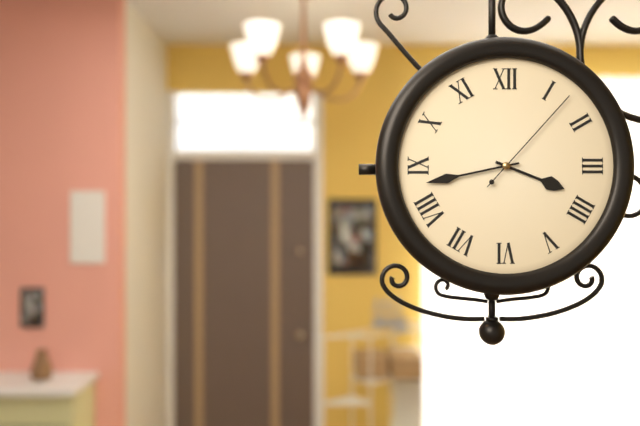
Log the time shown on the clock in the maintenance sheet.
3:43:07
